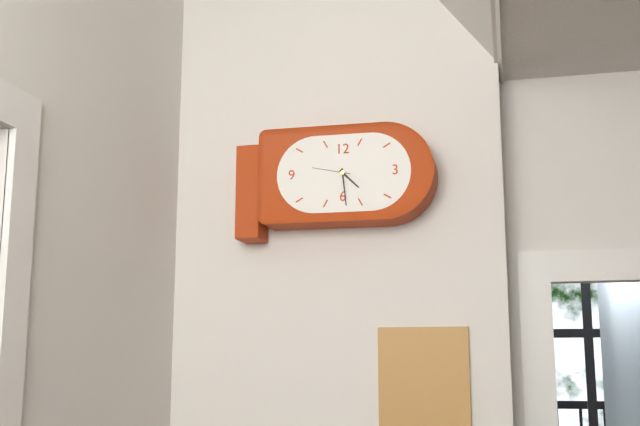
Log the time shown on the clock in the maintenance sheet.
4:29
